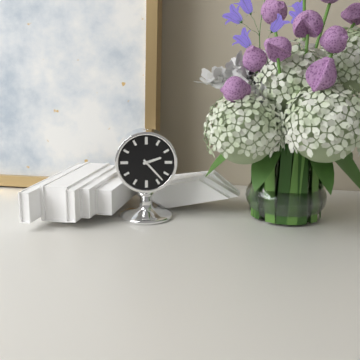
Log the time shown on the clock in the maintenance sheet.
2:23
